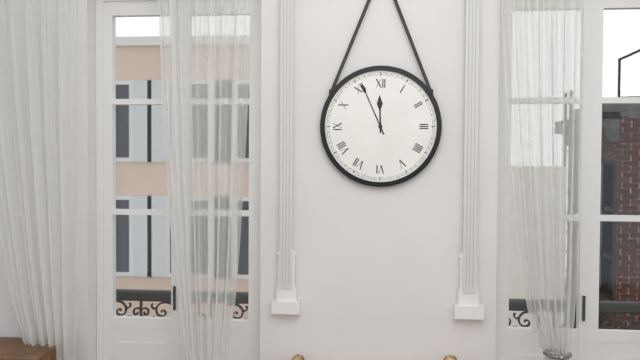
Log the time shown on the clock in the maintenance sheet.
11:56
